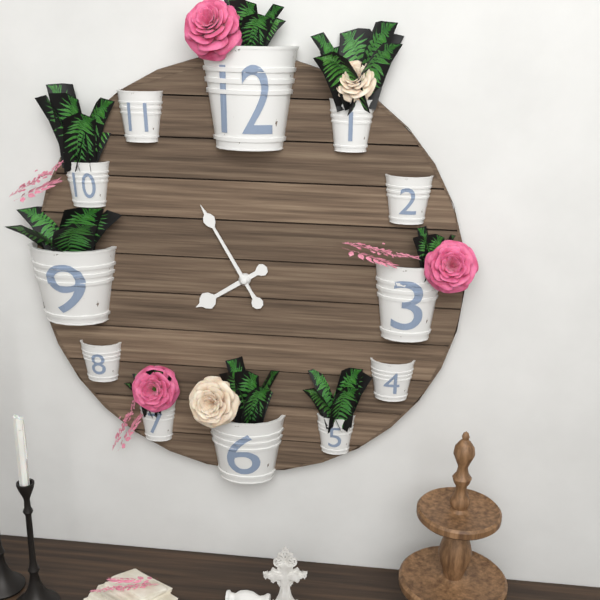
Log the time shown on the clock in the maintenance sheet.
7:55
